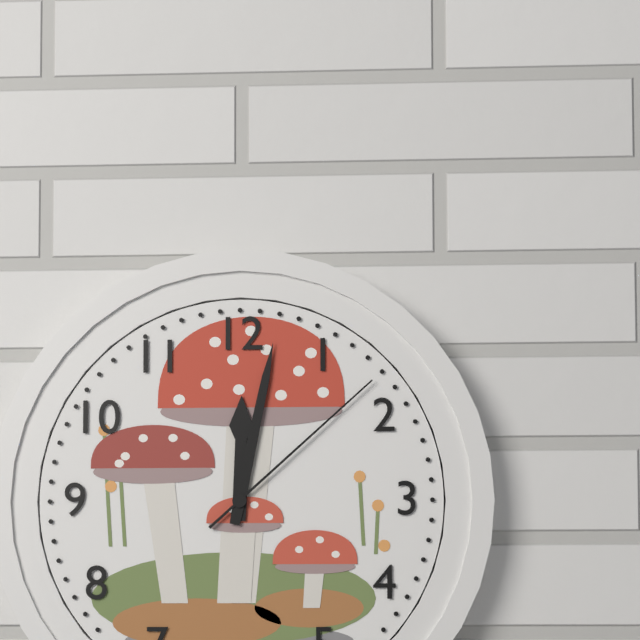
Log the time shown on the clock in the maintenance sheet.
12:02:08
